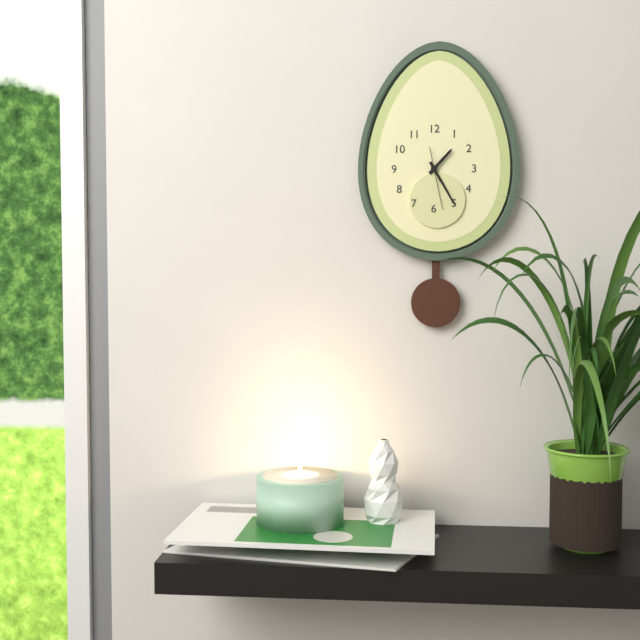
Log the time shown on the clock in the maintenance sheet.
1:25
